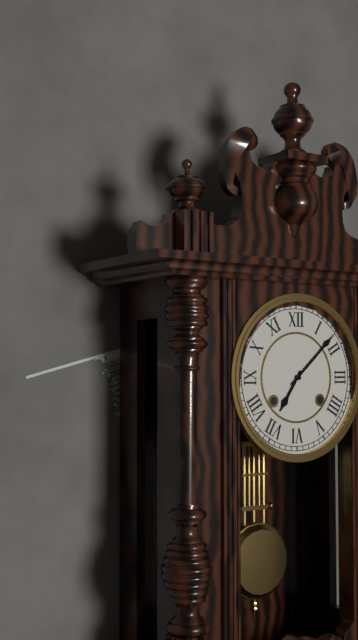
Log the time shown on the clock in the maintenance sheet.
7:08
